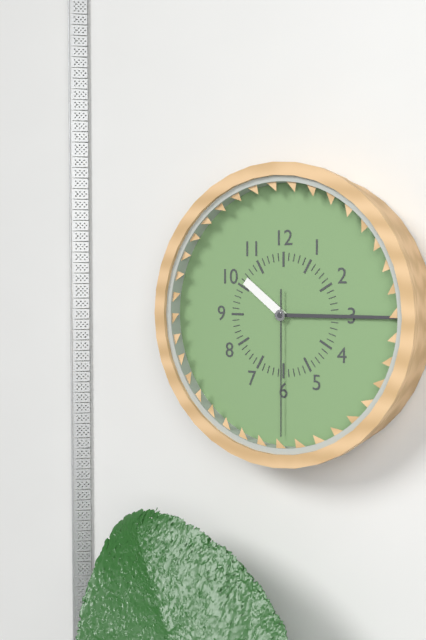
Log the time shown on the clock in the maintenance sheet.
10:15:30
